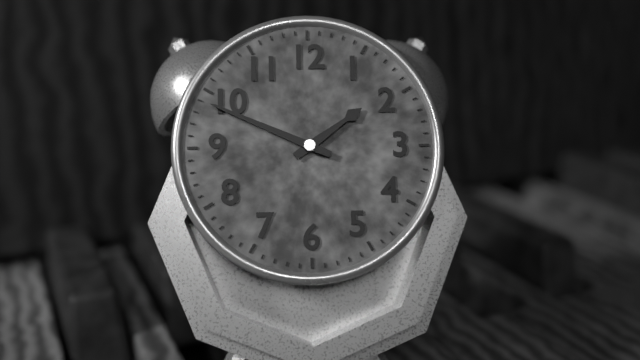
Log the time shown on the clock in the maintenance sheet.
1:49
